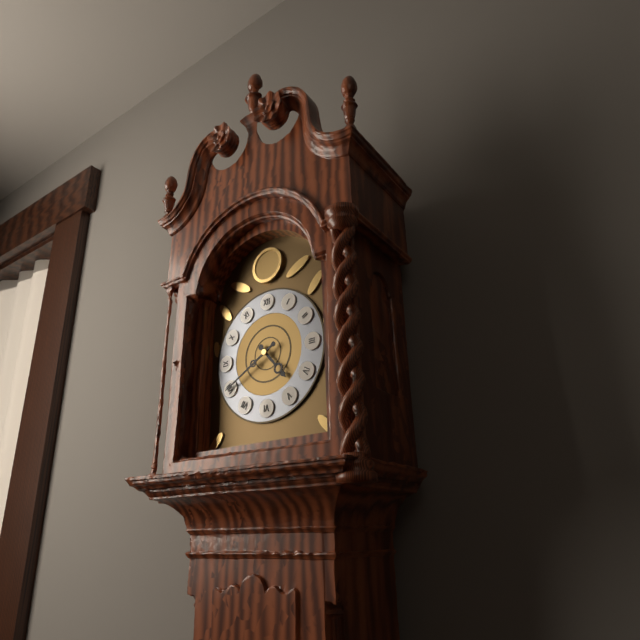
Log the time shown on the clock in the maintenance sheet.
4:40
